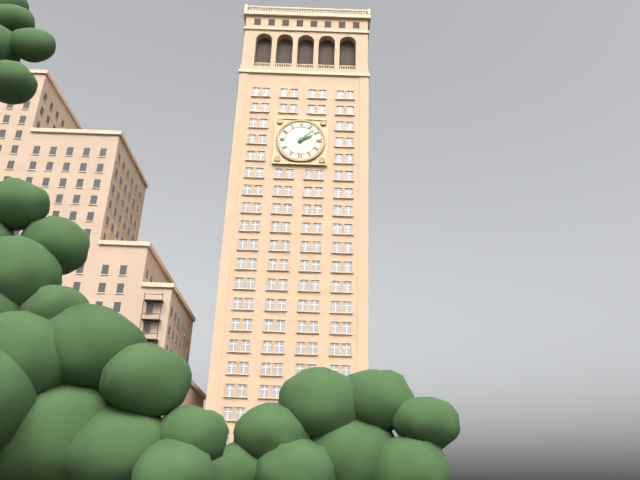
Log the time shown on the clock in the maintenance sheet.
2:08
